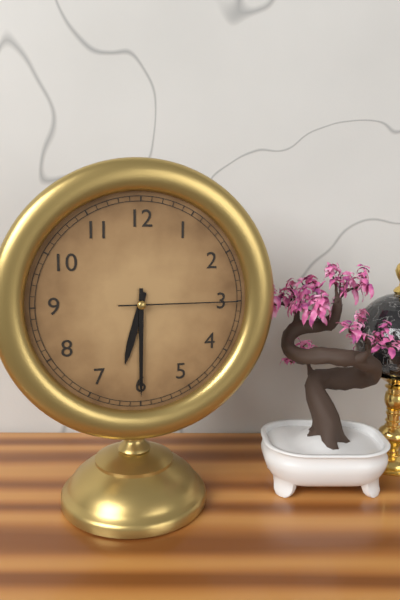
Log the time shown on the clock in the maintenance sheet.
6:30:15
